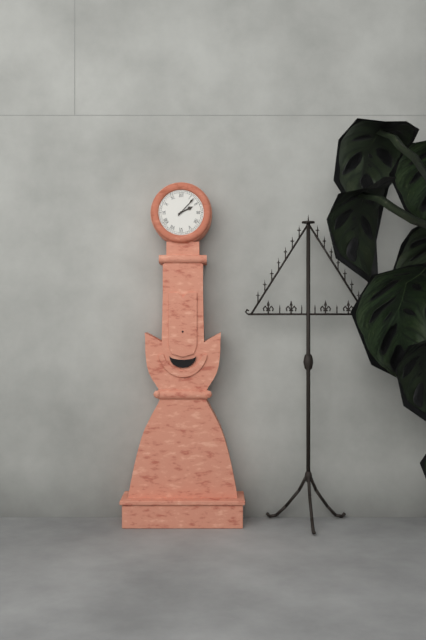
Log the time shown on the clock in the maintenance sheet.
2:07
